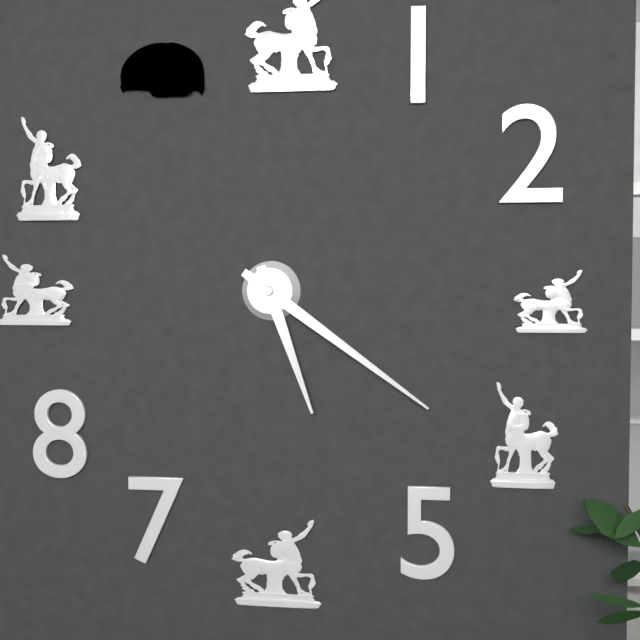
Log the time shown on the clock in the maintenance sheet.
5:21
